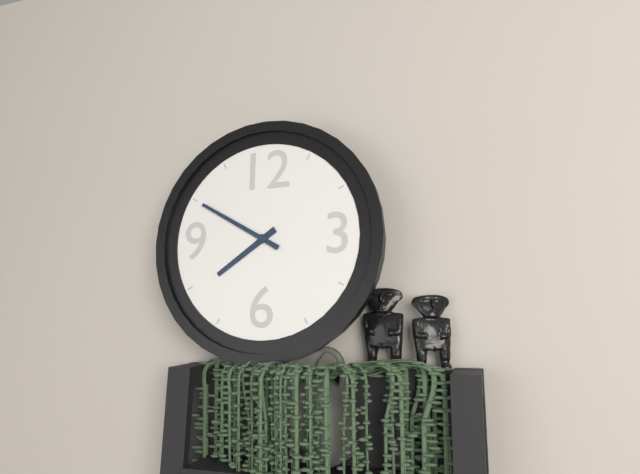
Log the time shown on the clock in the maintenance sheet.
7:50
